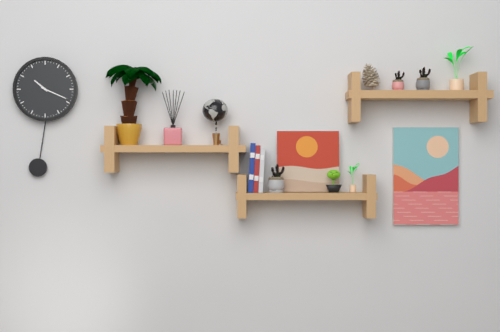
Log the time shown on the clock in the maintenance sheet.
10:19
